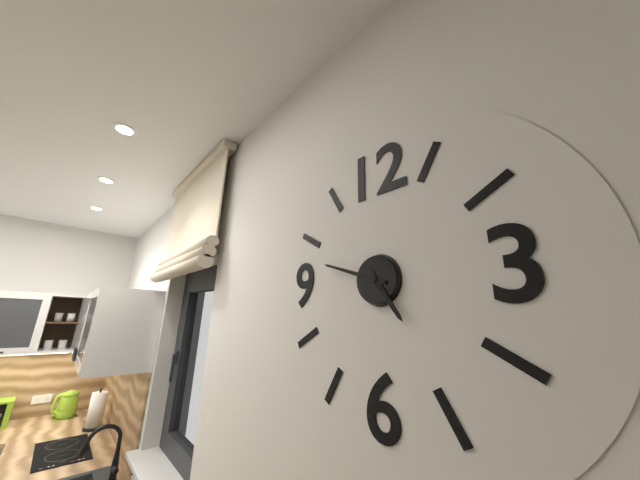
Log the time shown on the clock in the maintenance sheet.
4:48
